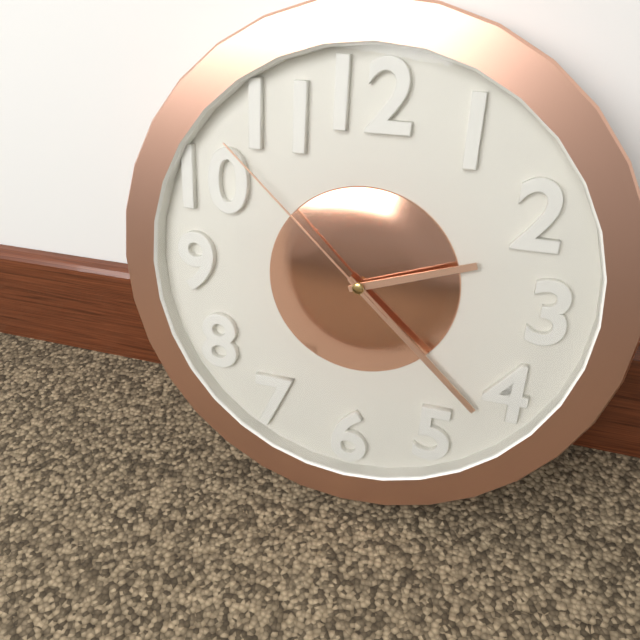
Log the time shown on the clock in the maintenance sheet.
2:22:52
